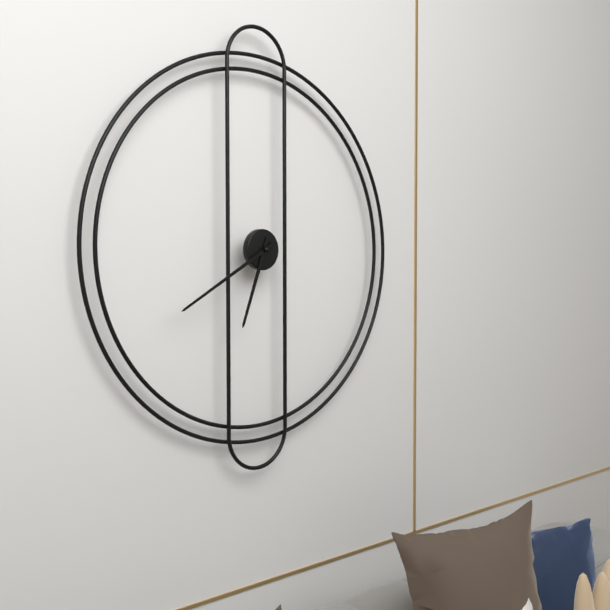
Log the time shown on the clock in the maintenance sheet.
6:40
